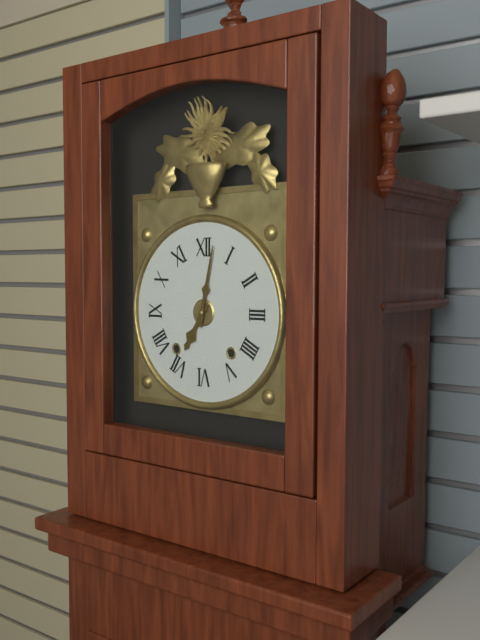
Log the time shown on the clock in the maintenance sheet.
7:02
